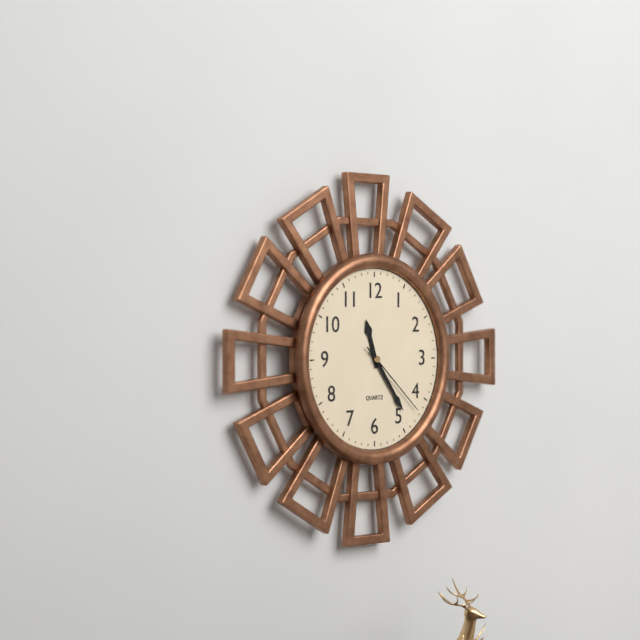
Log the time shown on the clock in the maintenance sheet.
11:24:22
